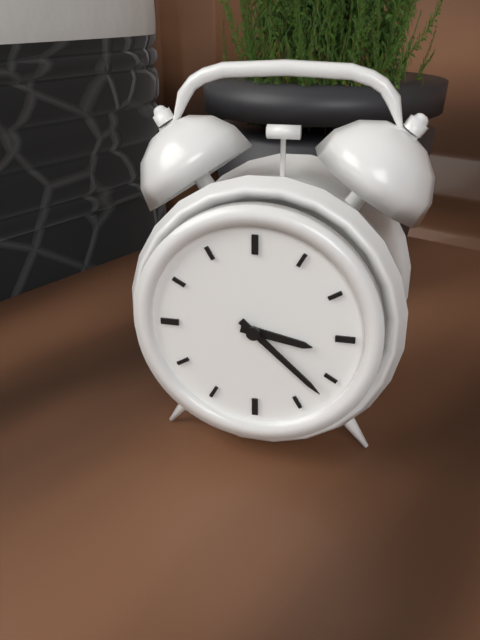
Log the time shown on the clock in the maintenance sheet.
3:22
